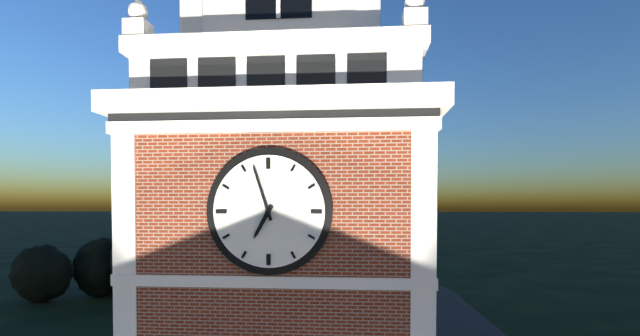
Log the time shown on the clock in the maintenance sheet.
6:57
